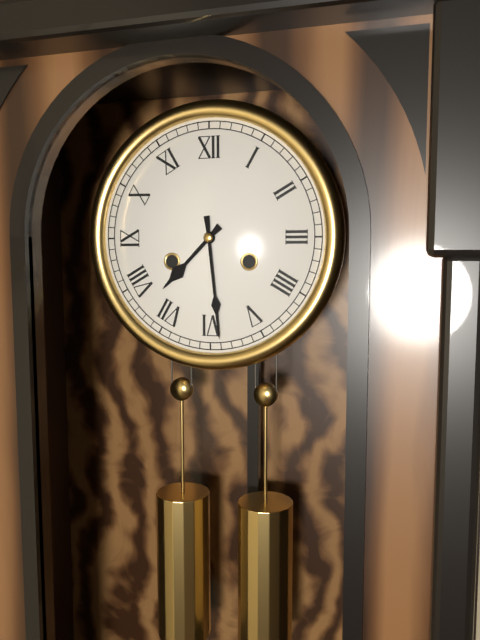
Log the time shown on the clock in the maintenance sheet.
7:29
